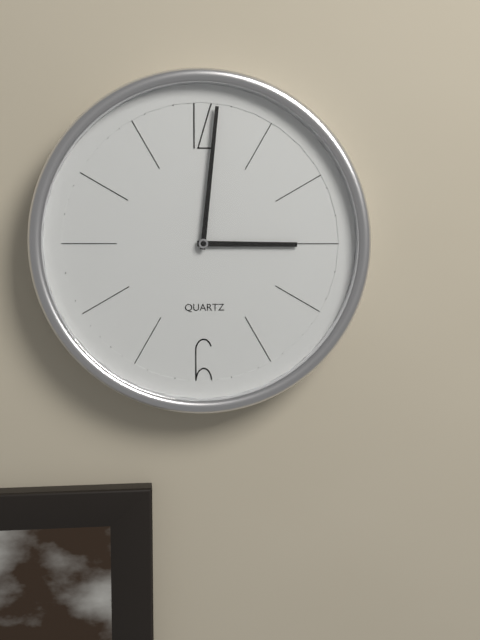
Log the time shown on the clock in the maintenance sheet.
3:01
